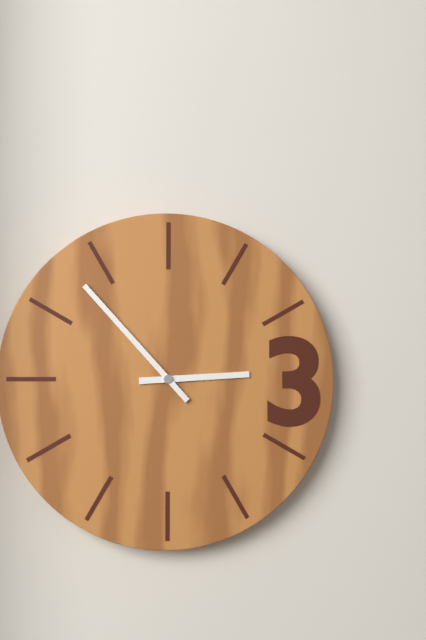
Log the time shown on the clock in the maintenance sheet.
2:53
